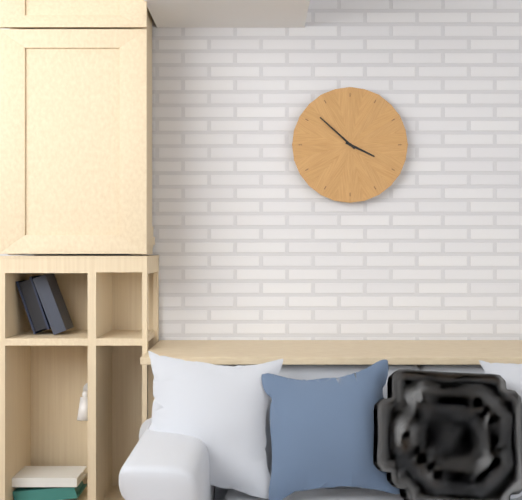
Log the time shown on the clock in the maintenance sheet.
3:52
